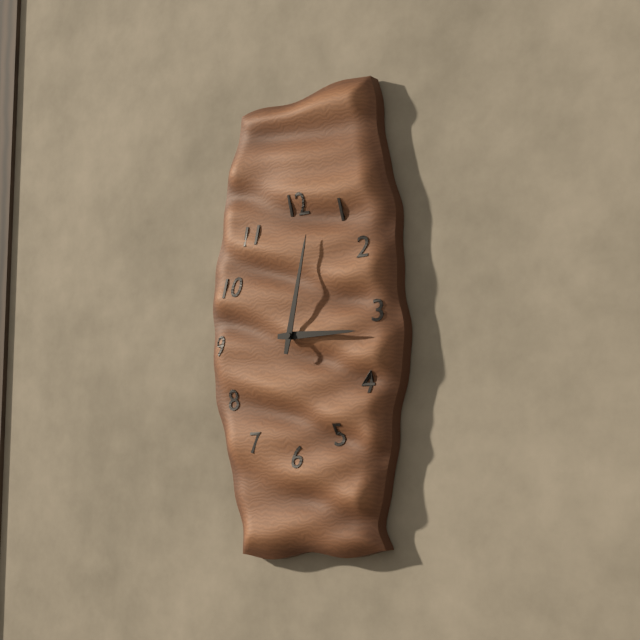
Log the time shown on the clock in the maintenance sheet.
3:02
